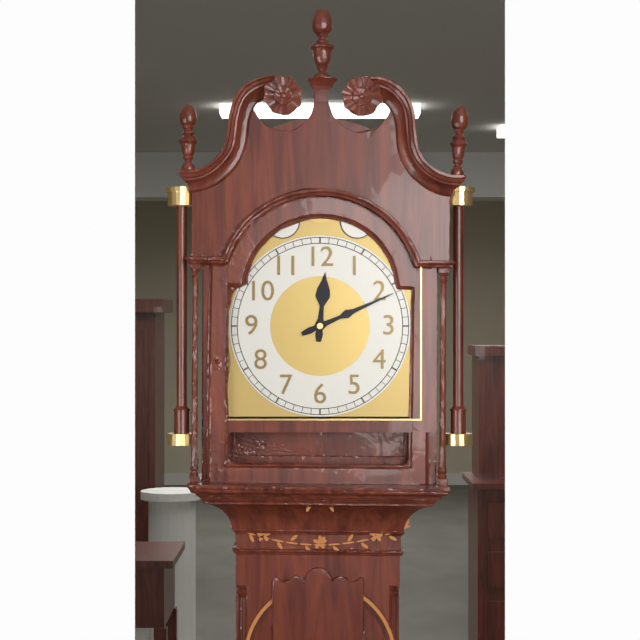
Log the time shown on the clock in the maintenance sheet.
12:11
